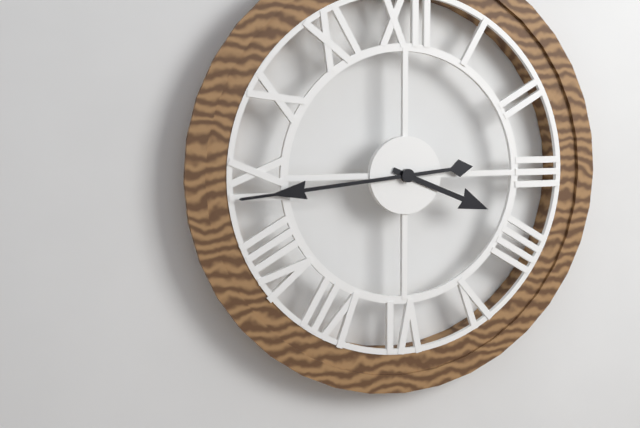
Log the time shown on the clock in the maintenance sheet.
3:44
